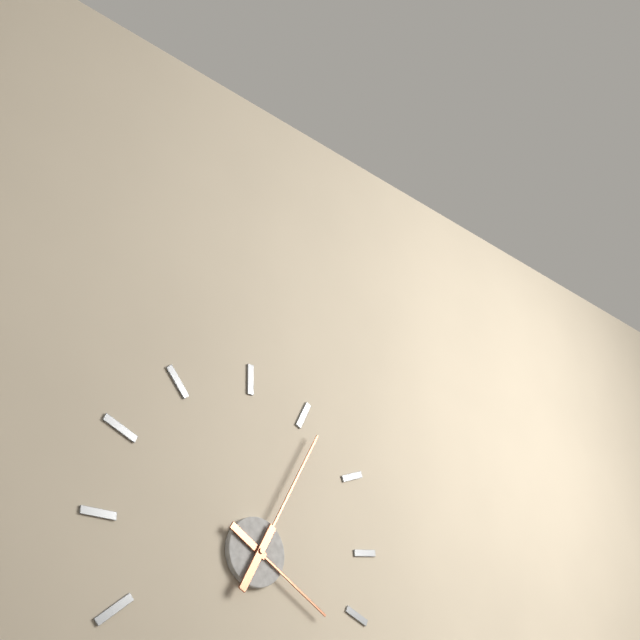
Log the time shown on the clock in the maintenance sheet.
4:05
